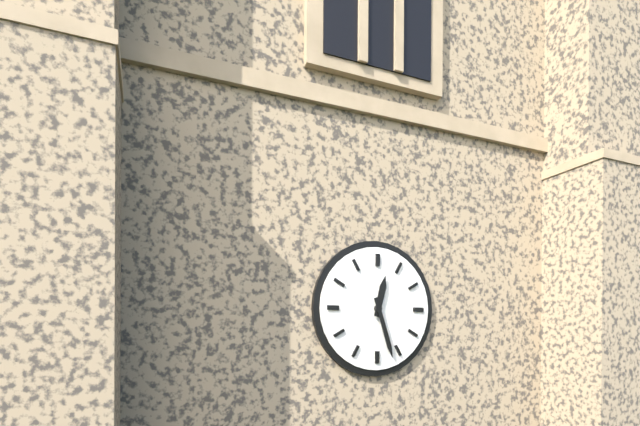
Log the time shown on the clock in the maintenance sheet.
12:27
